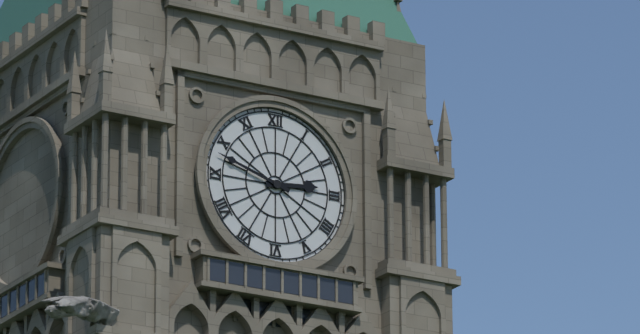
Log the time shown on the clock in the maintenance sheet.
2:48
